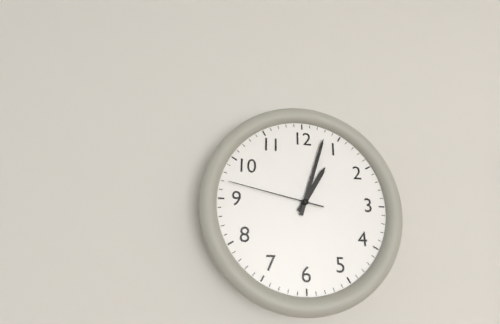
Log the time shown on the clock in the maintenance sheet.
1:03:47
